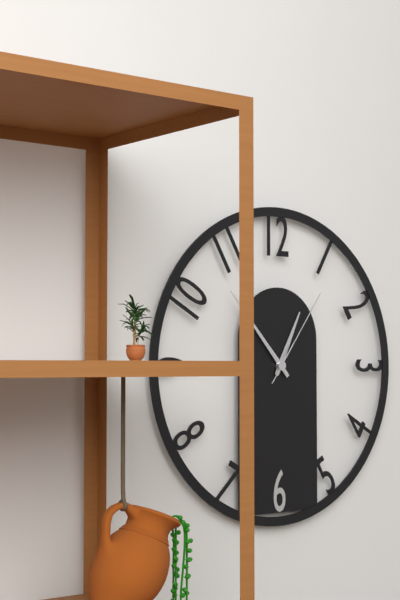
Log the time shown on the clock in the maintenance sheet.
12:53:06
